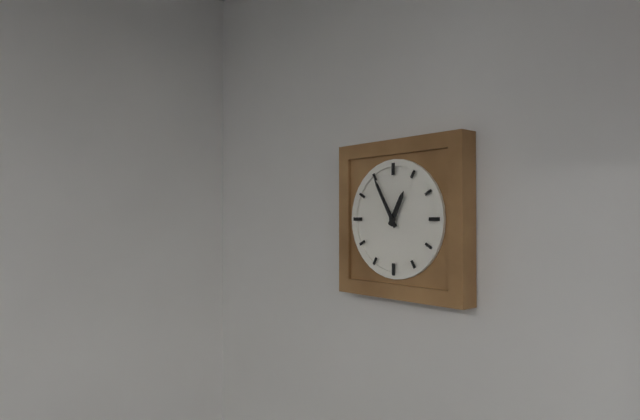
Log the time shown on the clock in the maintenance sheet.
12:55
